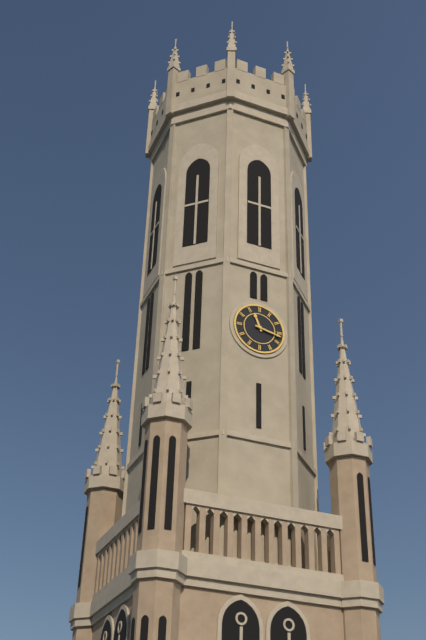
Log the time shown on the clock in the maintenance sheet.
11:17
